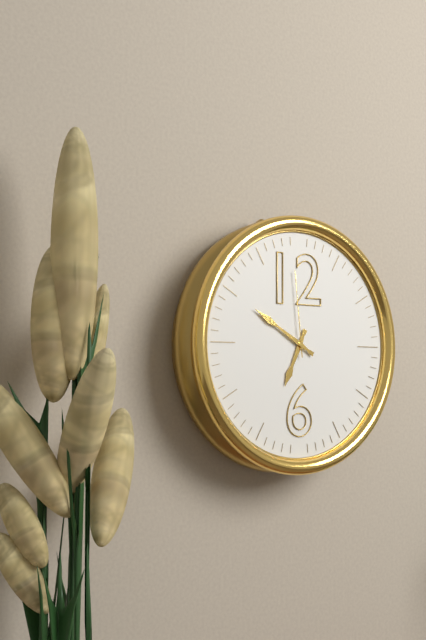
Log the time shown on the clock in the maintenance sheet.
6:50:59
